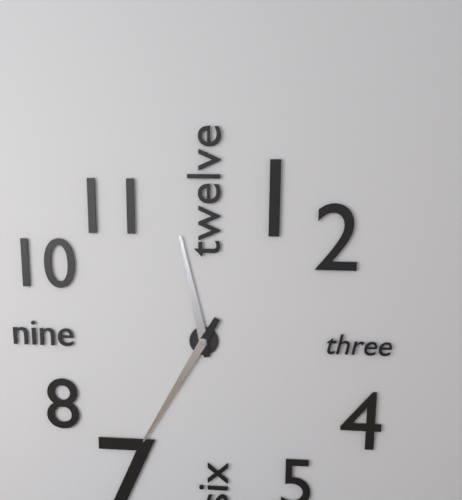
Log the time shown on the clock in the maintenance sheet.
11:35
